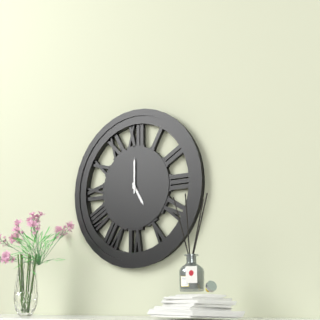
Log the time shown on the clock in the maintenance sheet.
5:00
